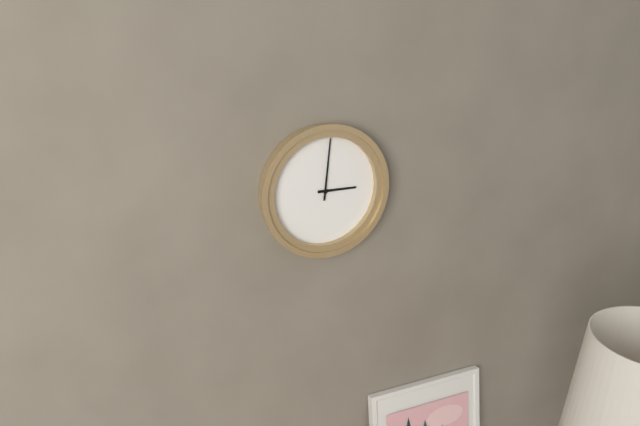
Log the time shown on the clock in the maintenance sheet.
3:01
